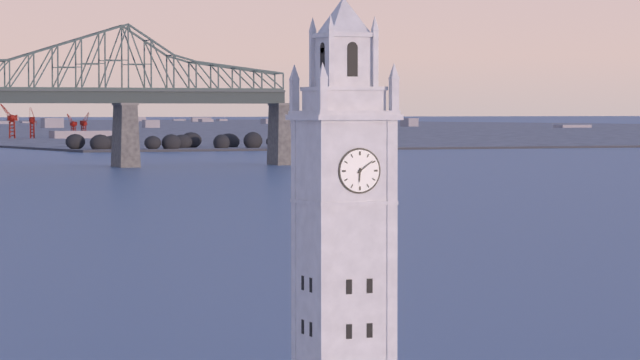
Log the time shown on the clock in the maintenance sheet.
6:09
